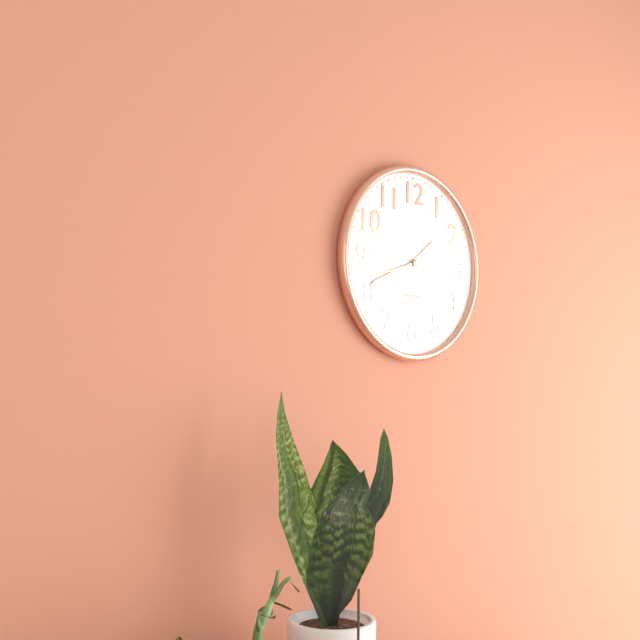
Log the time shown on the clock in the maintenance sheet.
1:41:42
